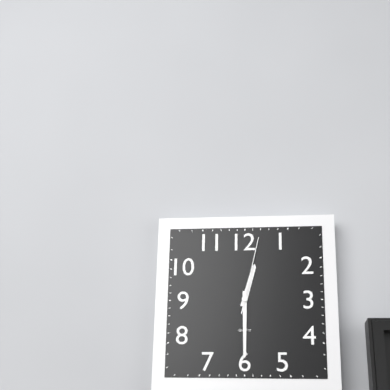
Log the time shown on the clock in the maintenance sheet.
12:30:02
